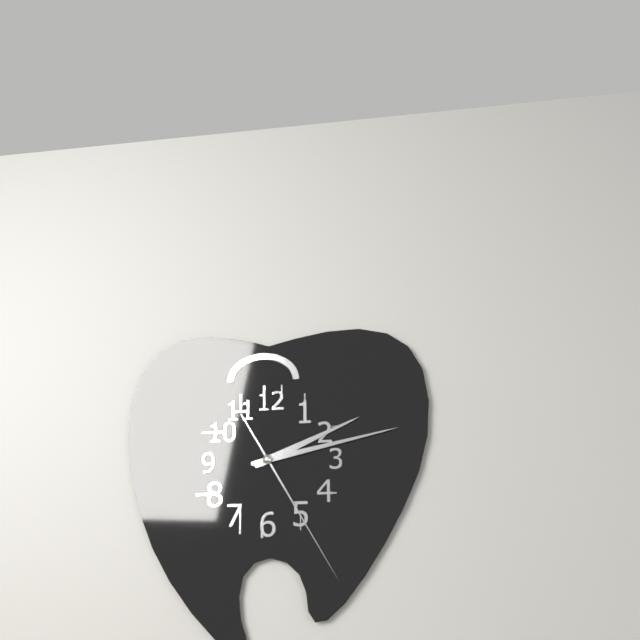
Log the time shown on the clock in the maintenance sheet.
2:13:25
